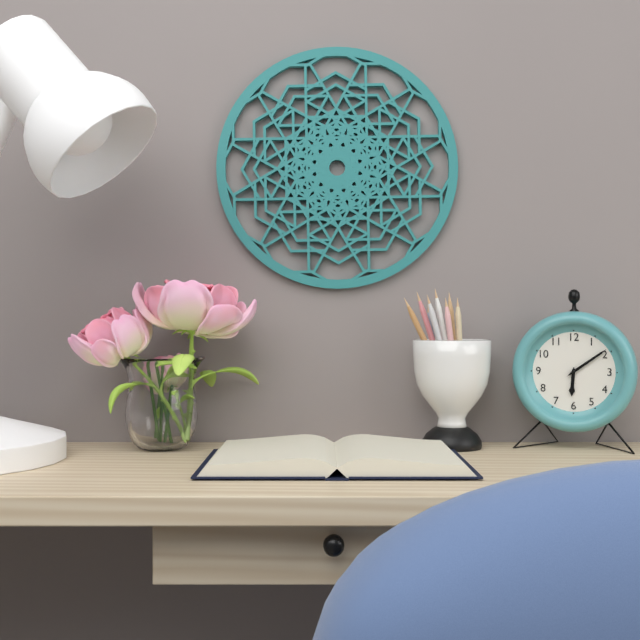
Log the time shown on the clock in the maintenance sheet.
6:09
